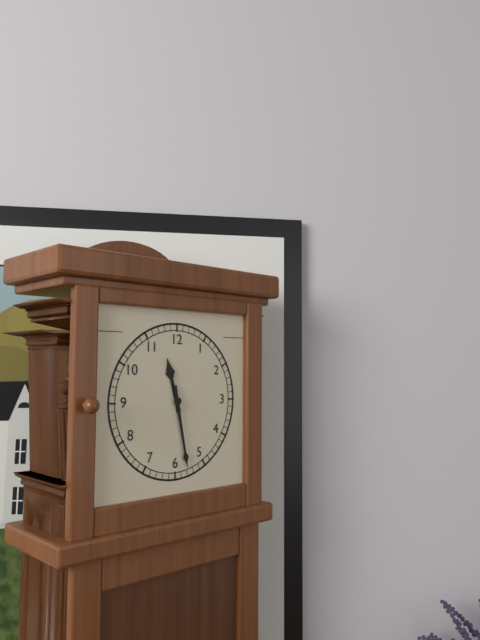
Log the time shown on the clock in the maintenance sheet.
11:28
